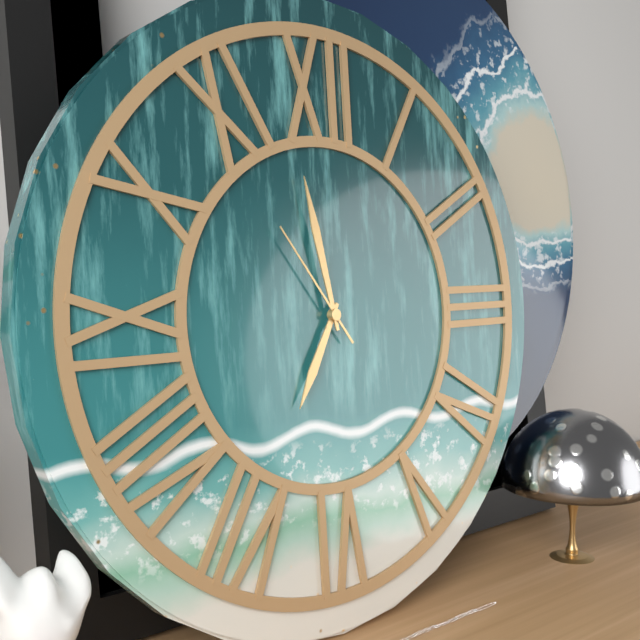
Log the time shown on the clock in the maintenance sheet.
6:58:54
